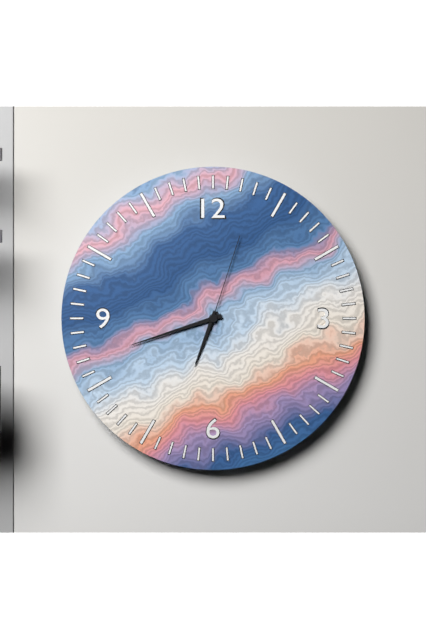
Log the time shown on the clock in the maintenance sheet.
6:42:03
